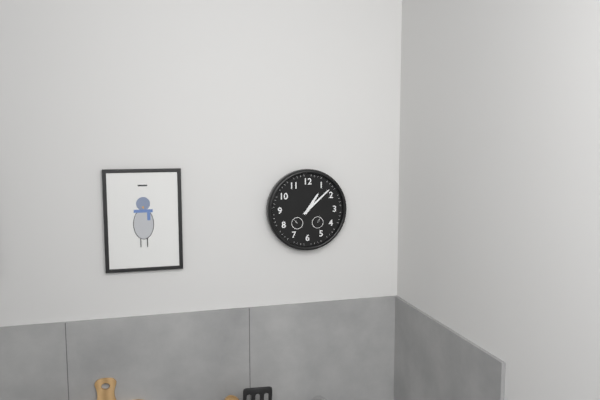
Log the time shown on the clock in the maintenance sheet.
1:08
